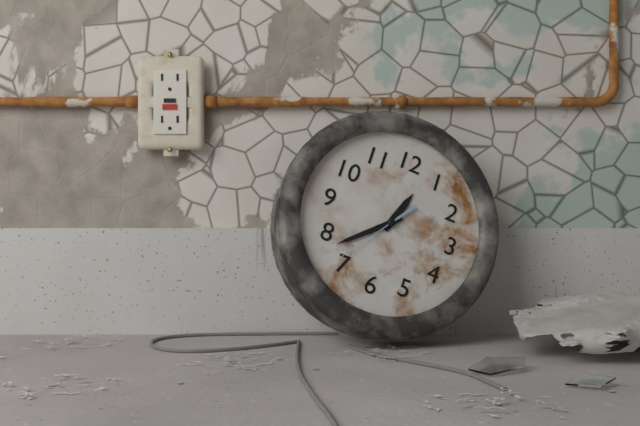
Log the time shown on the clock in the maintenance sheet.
12:38:36
